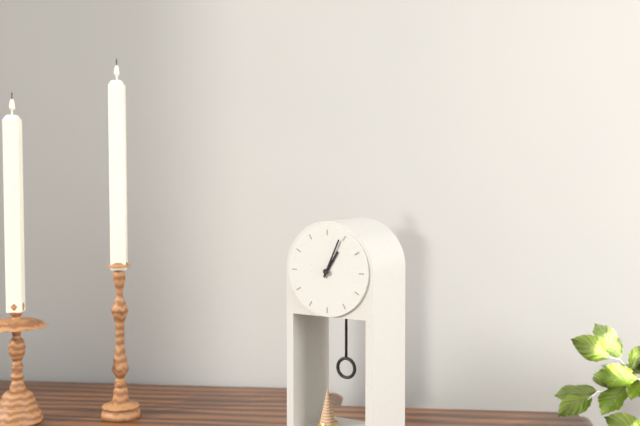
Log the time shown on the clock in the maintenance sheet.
1:04
